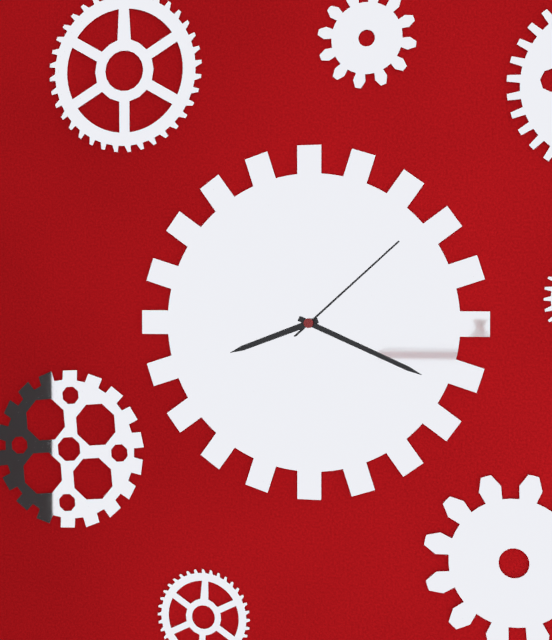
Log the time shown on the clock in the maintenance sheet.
8:19:08
